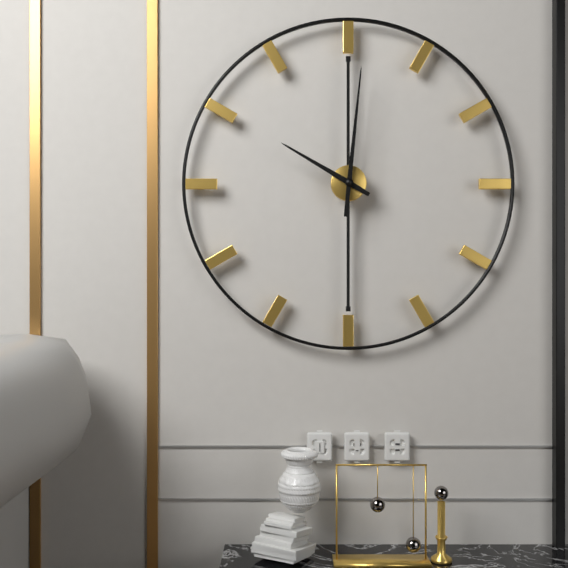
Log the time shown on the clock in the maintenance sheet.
10:01
